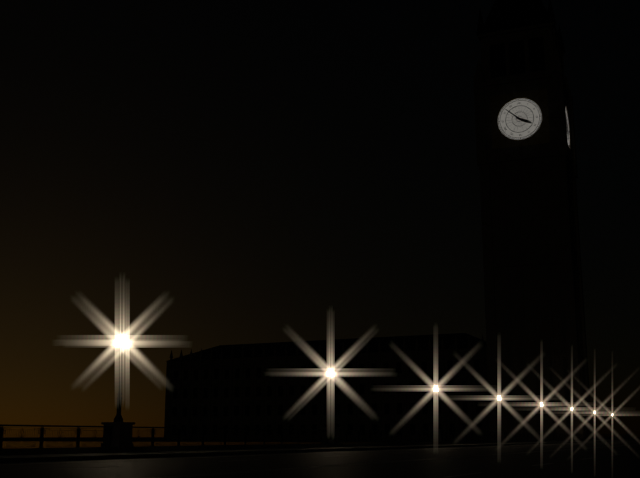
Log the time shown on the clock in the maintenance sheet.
3:52
